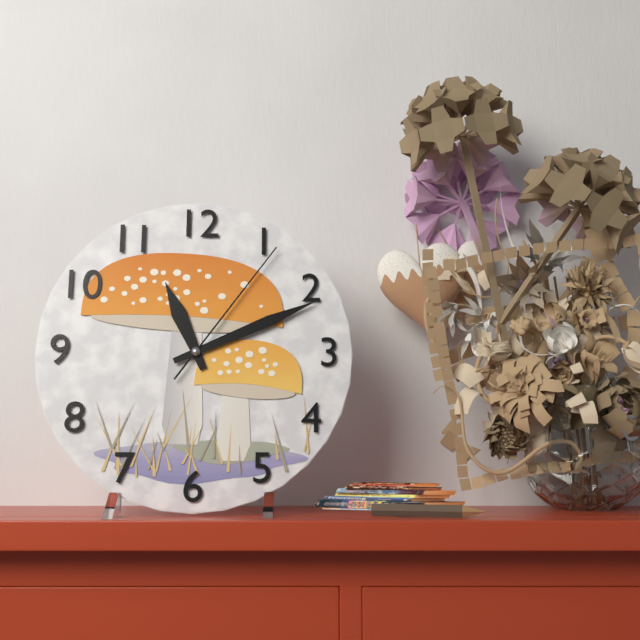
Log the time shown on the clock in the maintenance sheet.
11:11:06
